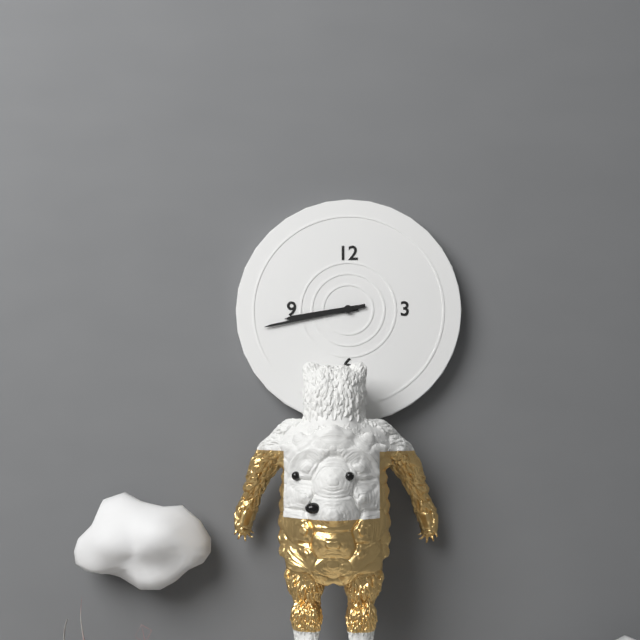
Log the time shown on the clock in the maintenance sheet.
8:43
